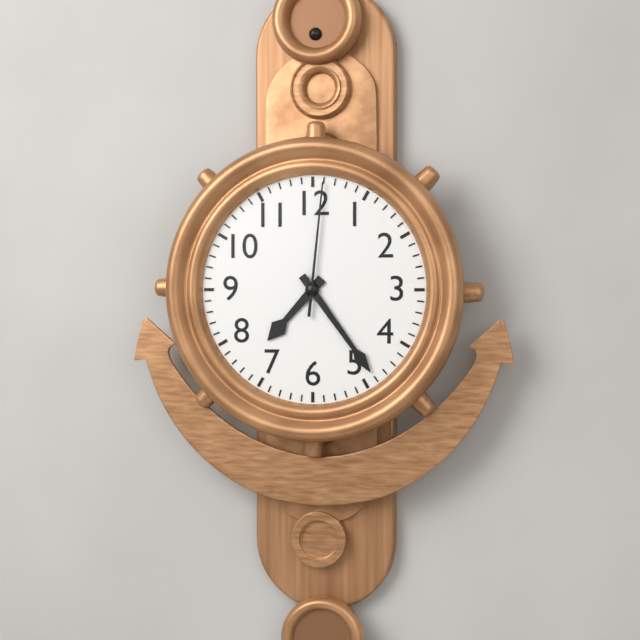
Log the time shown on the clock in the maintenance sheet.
7:24:01
